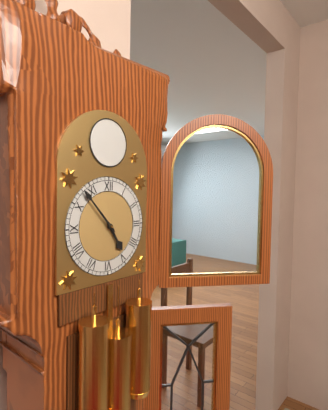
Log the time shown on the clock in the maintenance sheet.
4:53
